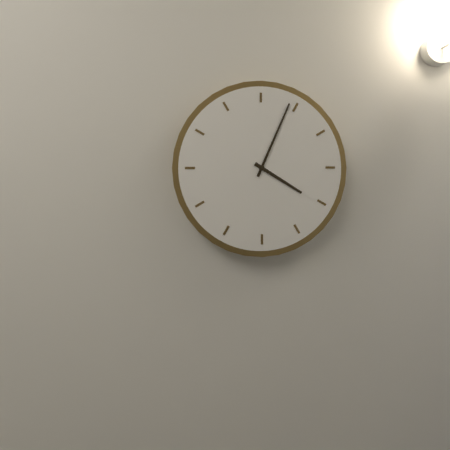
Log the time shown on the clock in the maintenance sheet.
4:04
